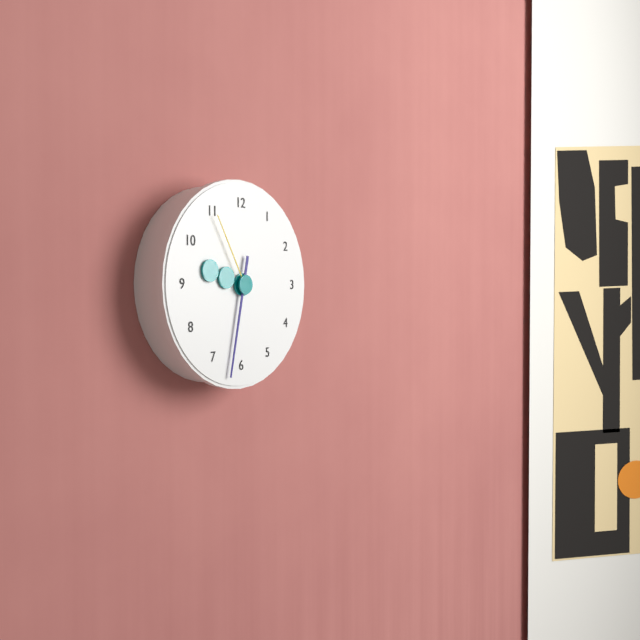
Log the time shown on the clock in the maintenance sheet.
9:32:55
